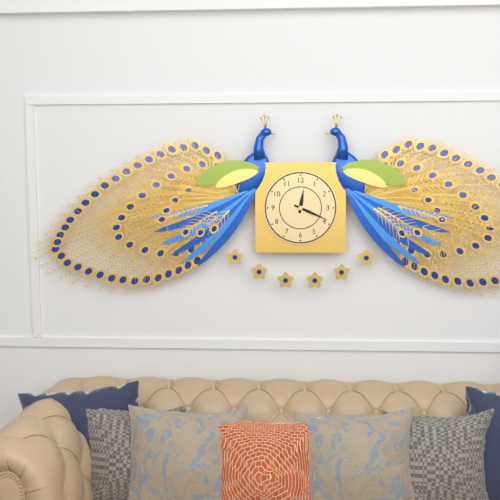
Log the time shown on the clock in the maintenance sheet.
12:19
